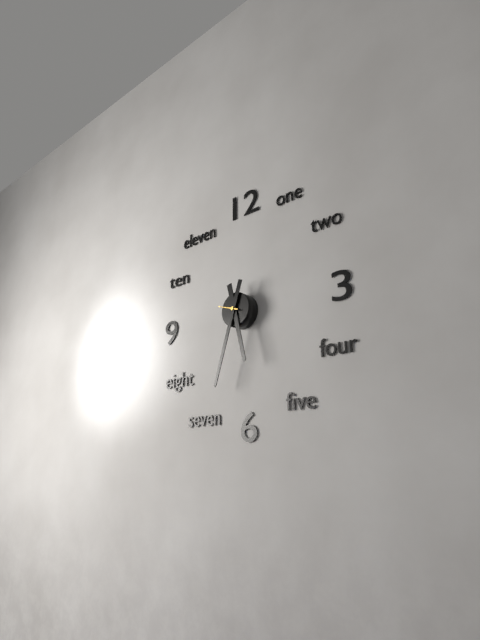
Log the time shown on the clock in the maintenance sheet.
5:33
